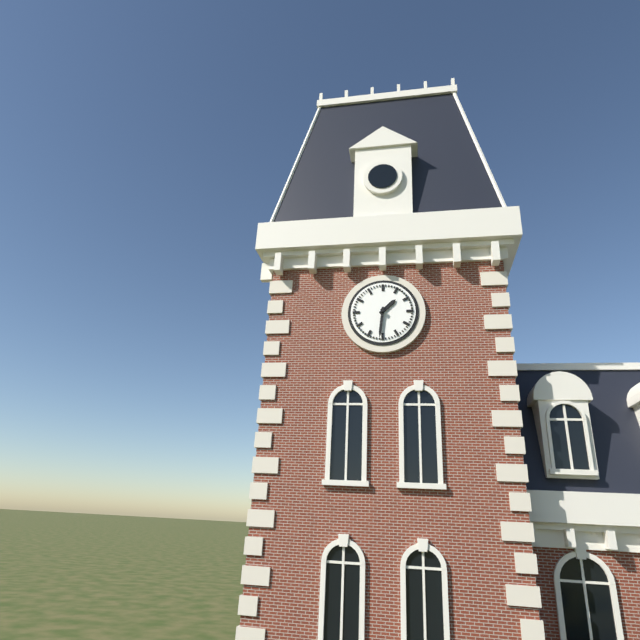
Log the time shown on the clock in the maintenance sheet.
1:31
